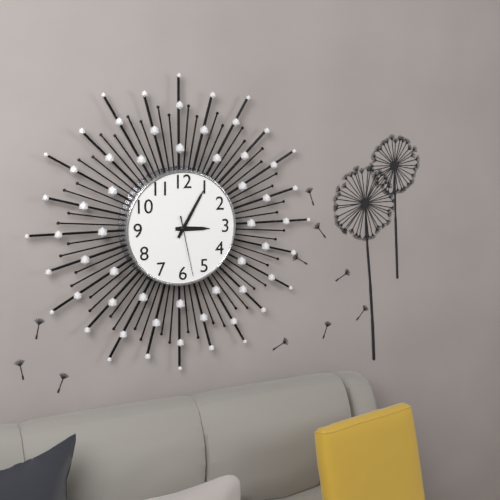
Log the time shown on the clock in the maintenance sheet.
3:05:28
